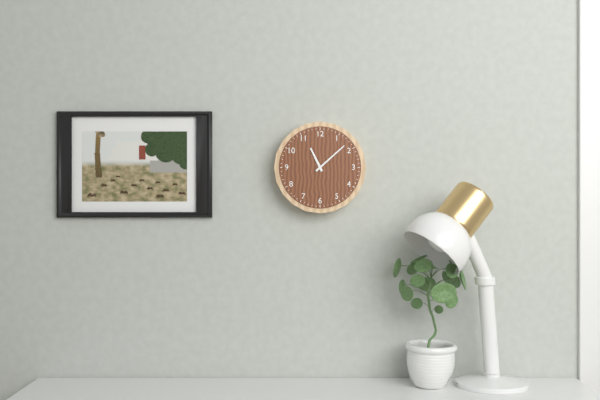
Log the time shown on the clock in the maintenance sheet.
11:08
